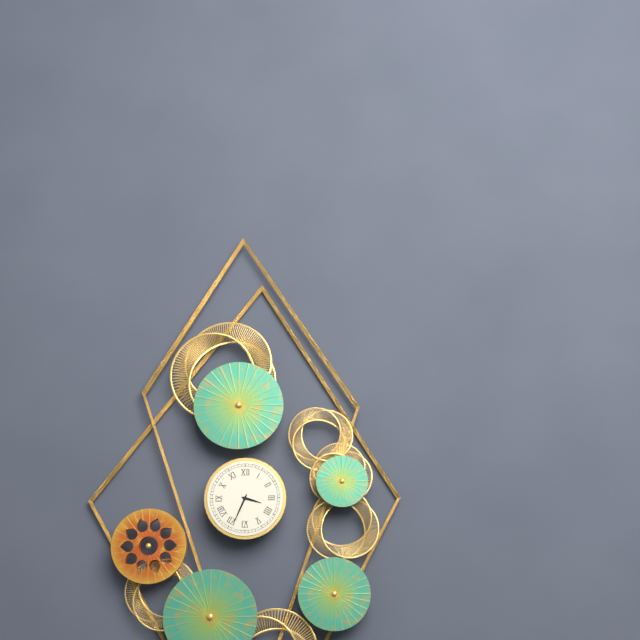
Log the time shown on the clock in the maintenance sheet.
3:34
